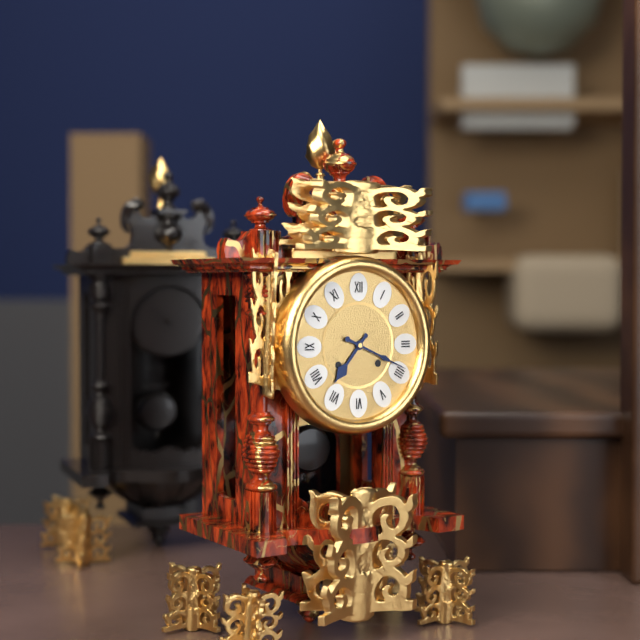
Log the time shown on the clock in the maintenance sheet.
7:19
